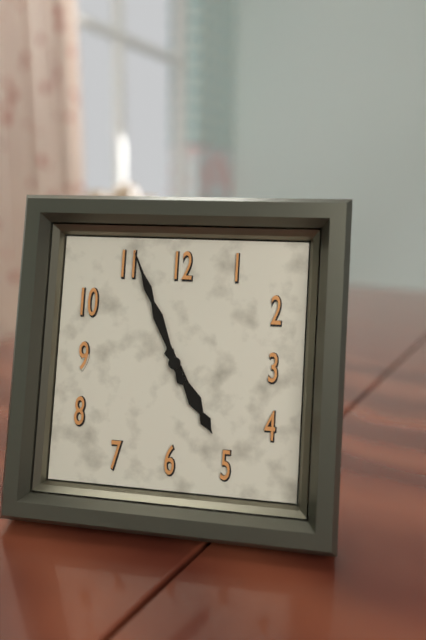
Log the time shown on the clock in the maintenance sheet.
4:56
